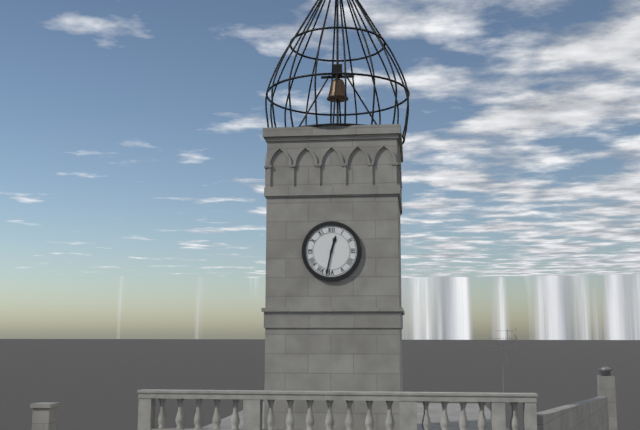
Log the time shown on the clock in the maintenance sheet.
12:32
